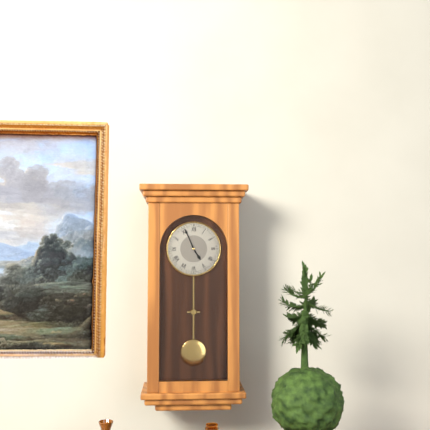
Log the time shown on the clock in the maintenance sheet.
4:56
